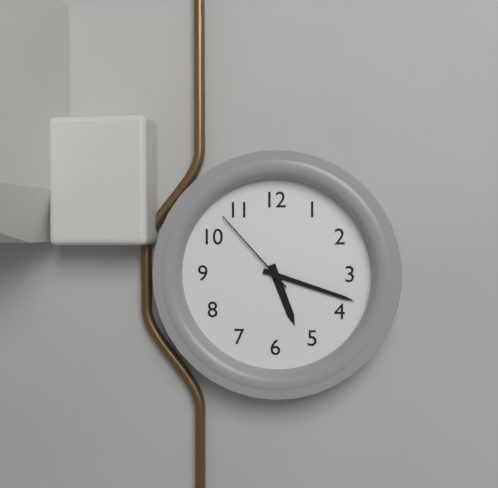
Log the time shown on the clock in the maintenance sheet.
5:18:53
